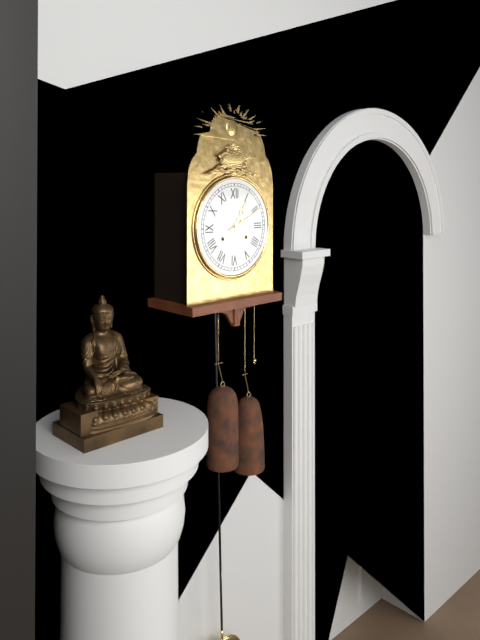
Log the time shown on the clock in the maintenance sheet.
1:11
